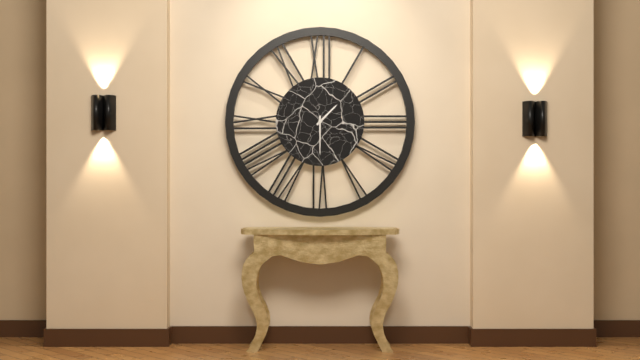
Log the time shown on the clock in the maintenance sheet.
1:30
